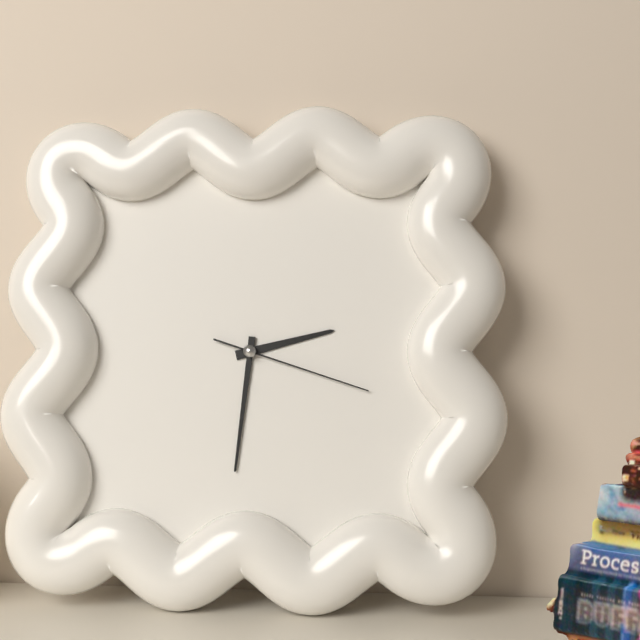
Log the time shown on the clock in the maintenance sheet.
2:31:18
